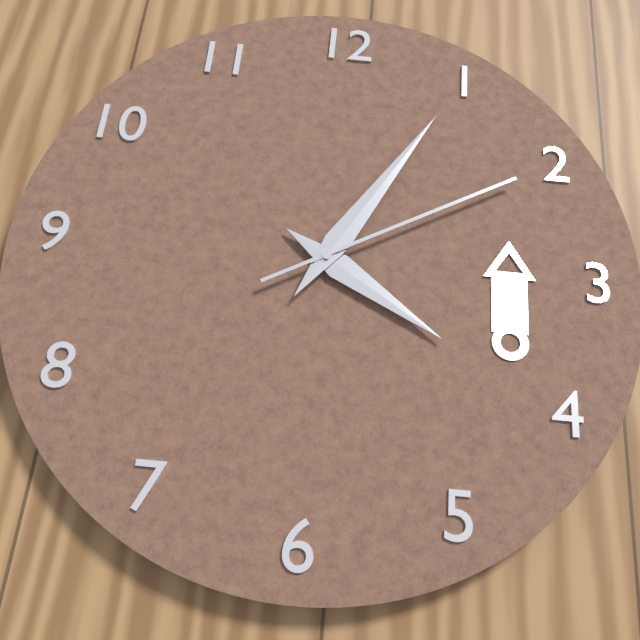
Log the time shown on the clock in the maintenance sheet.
4:05:10
